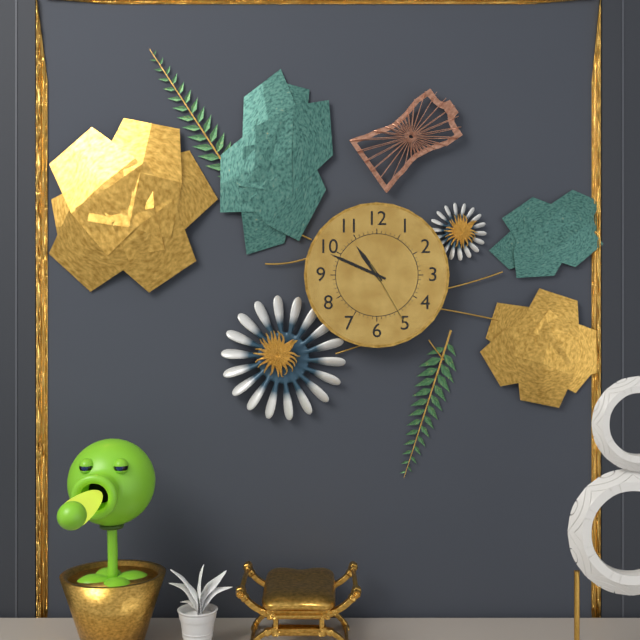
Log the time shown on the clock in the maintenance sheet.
10:49:25
